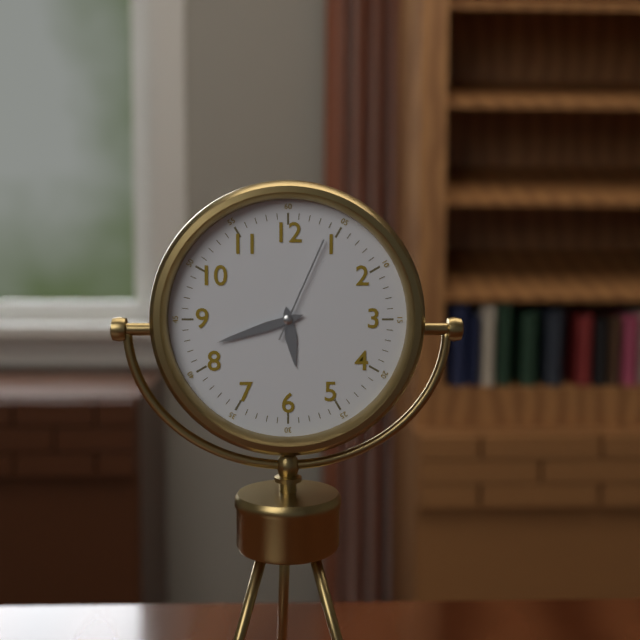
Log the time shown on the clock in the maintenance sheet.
5:42:04
